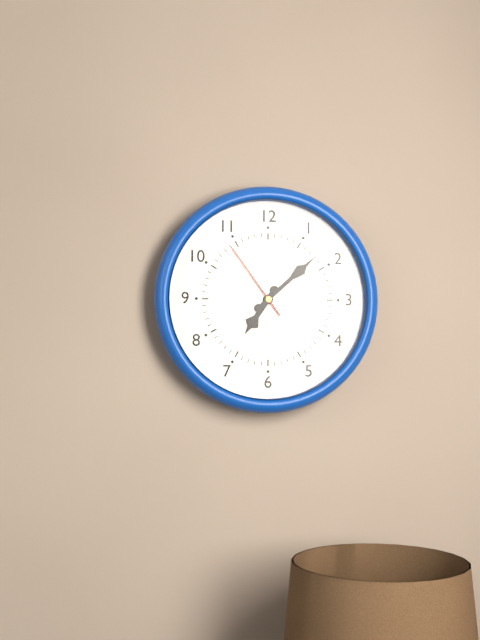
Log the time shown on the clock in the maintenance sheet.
7:08:54
